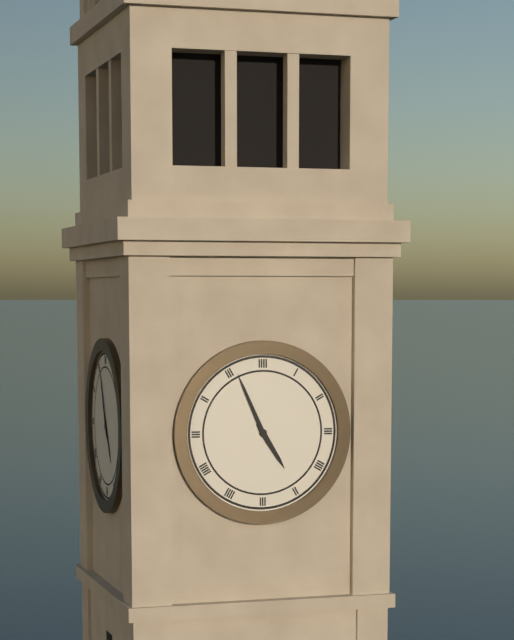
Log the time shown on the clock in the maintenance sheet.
4:56
